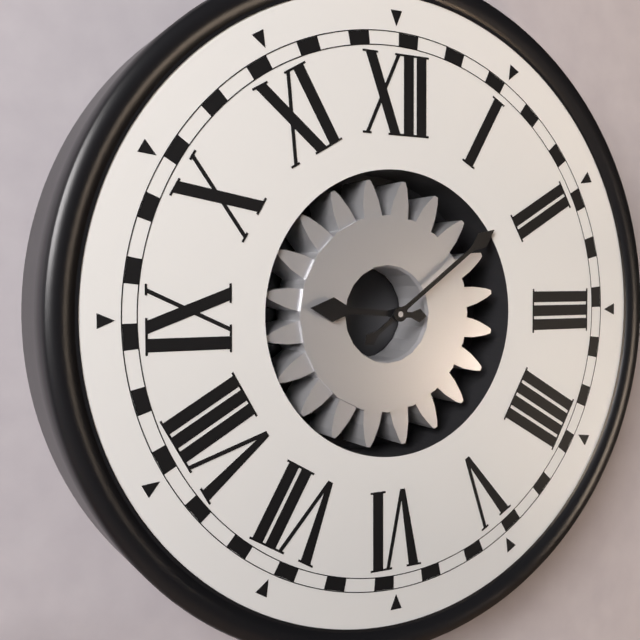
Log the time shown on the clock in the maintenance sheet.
9:09
